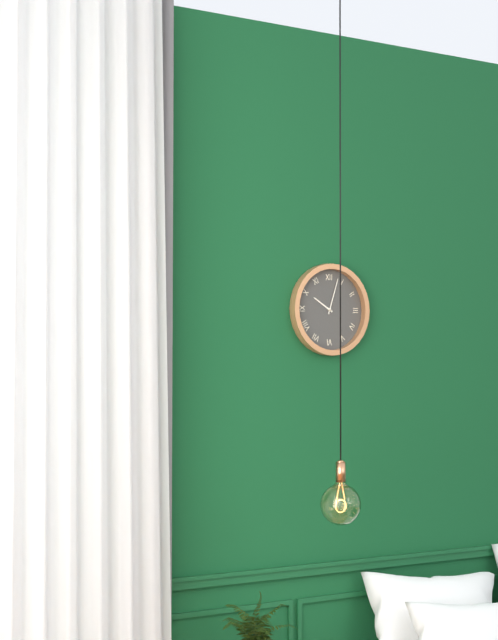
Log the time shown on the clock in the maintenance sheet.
10:03
